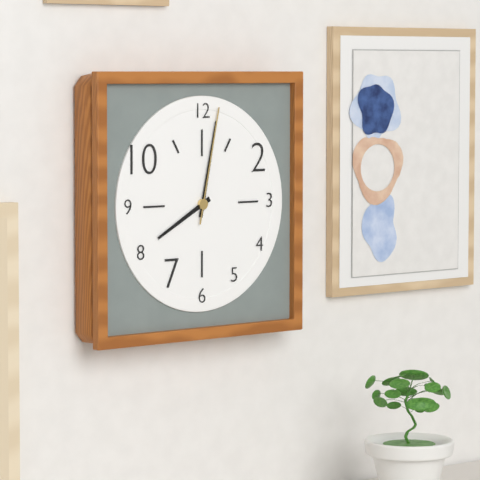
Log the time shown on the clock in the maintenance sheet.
8:02:02
